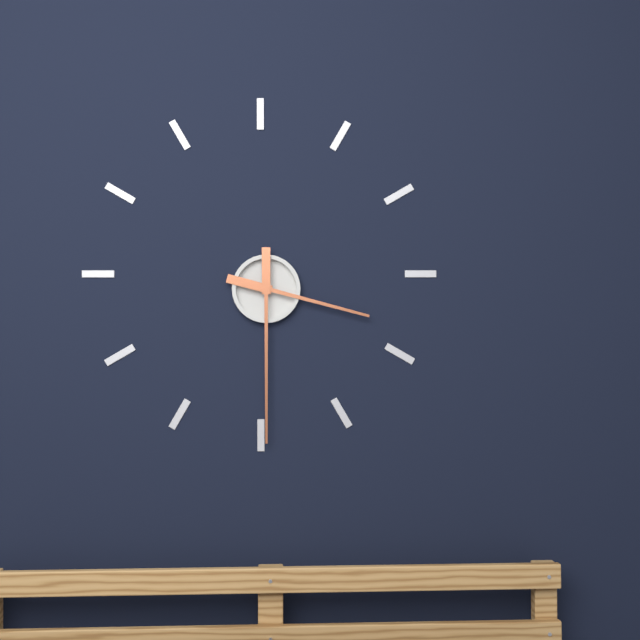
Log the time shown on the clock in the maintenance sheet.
3:30
